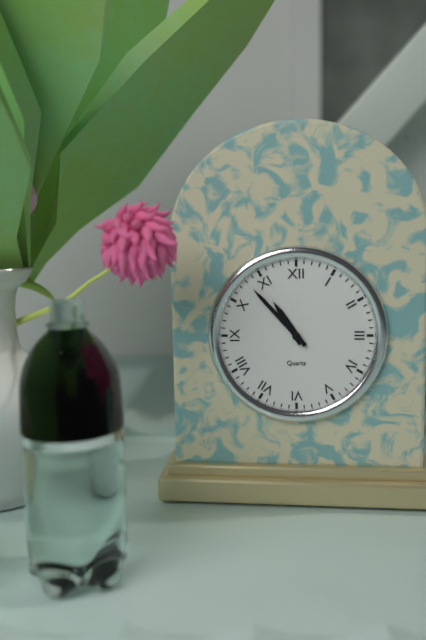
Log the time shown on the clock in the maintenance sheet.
10:53
